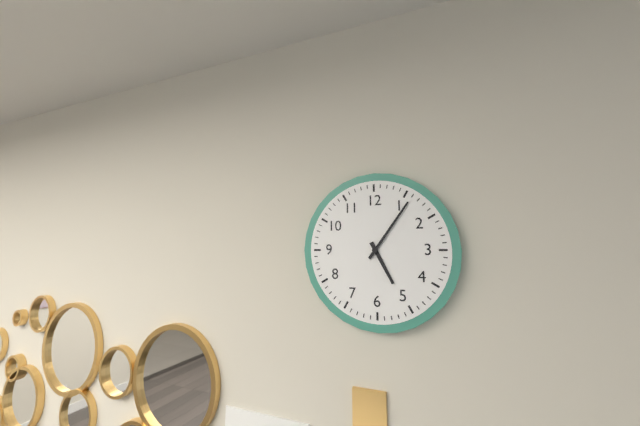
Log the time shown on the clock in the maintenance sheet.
5:06
